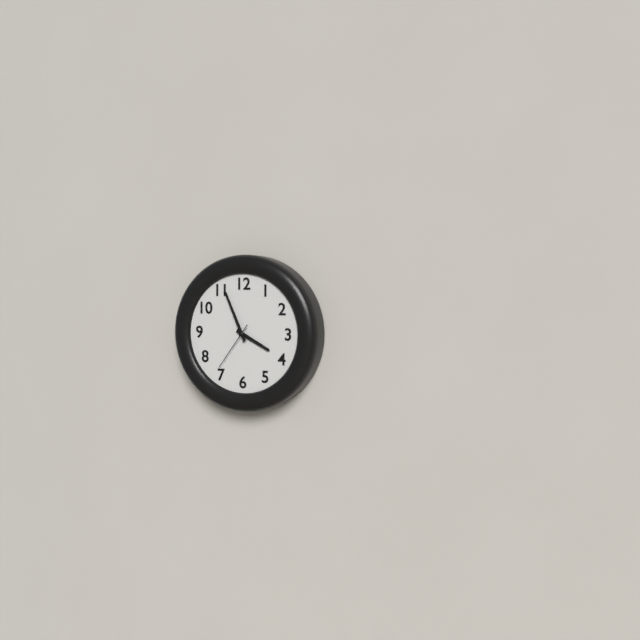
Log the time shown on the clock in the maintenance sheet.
3:56:36
